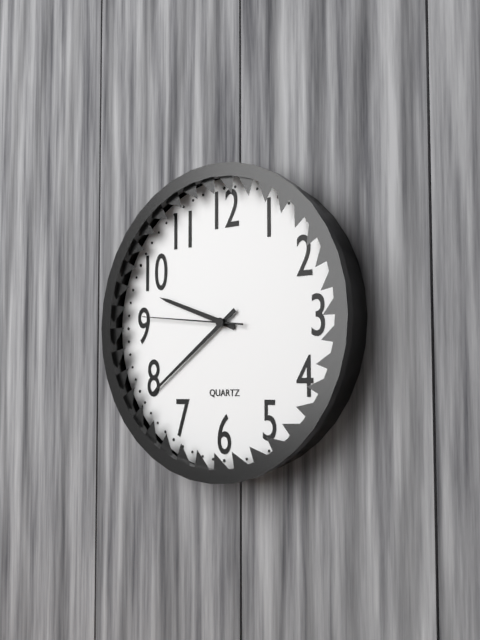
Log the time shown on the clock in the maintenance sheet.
9:39:46
